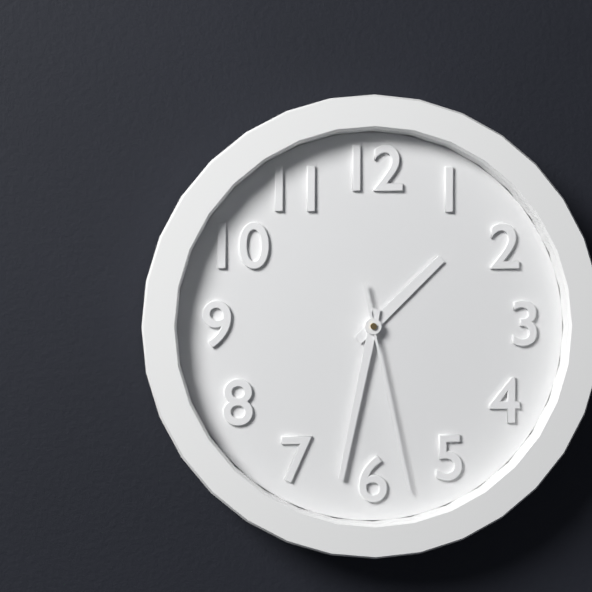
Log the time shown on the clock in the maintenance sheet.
1:32:28
